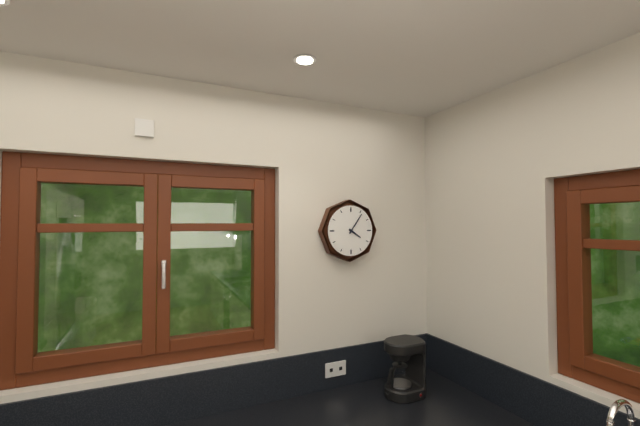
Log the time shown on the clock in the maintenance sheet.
4:06
